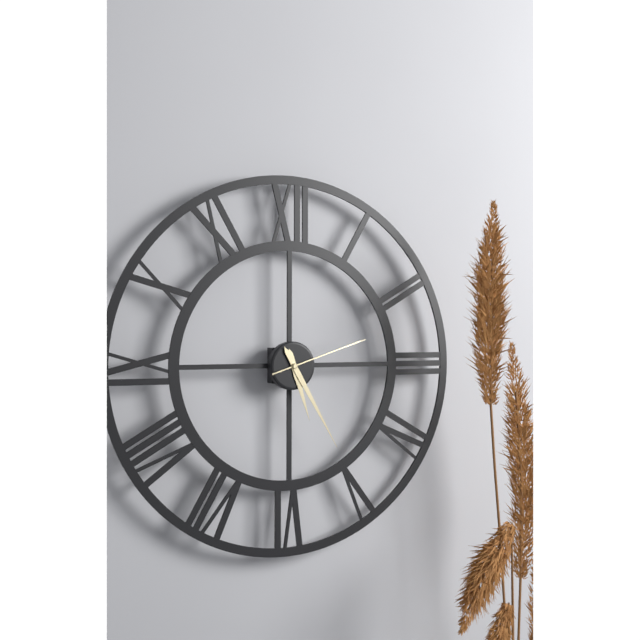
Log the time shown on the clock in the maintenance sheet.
5:25:12
